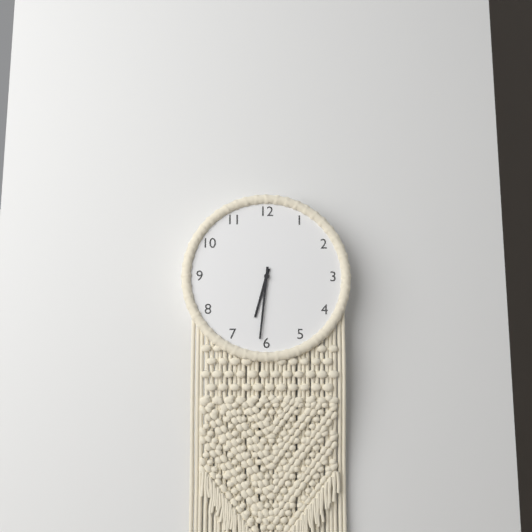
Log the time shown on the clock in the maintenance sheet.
6:31
